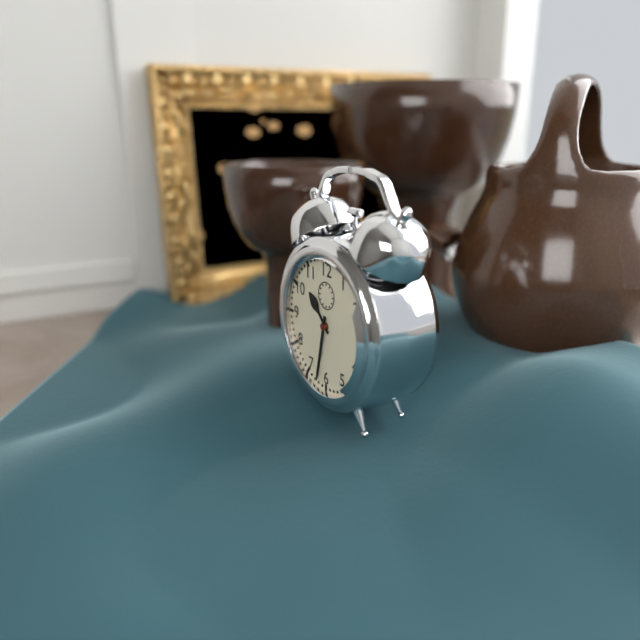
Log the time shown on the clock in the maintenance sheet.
10:32
